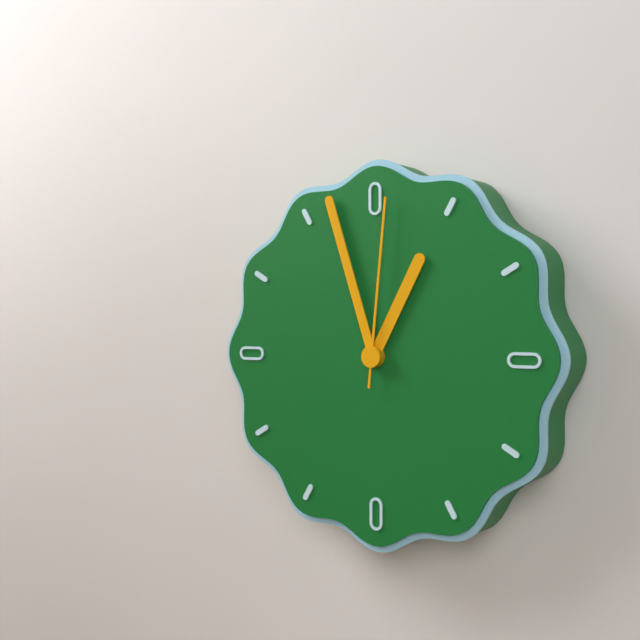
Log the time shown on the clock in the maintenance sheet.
12:57:01
